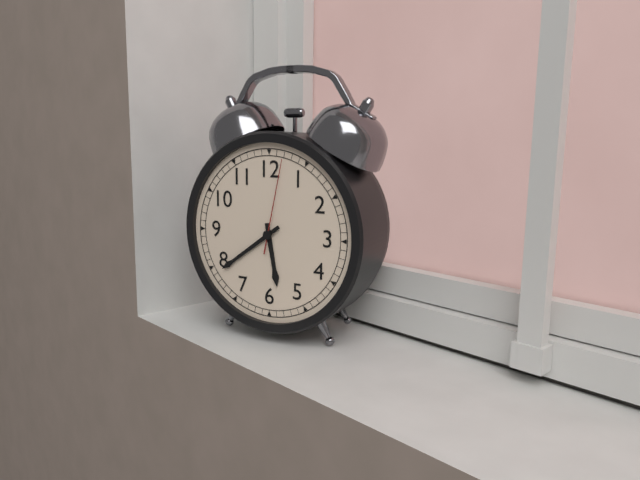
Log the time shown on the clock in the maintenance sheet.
5:39:02
